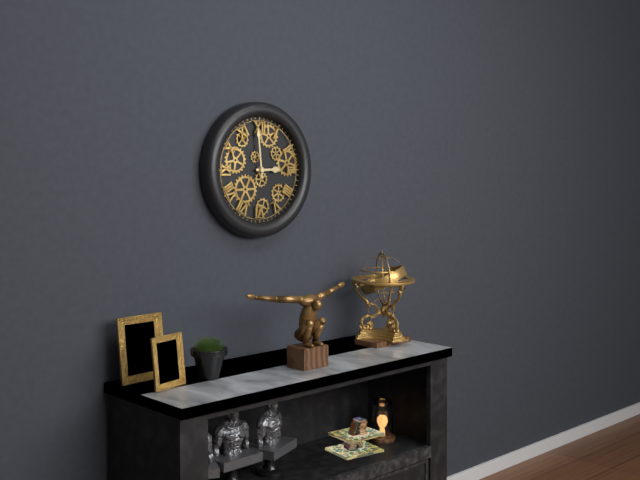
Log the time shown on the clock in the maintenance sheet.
2:59
